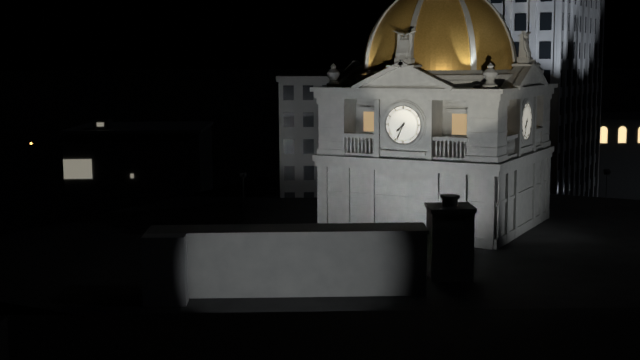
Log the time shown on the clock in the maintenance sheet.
7:34
